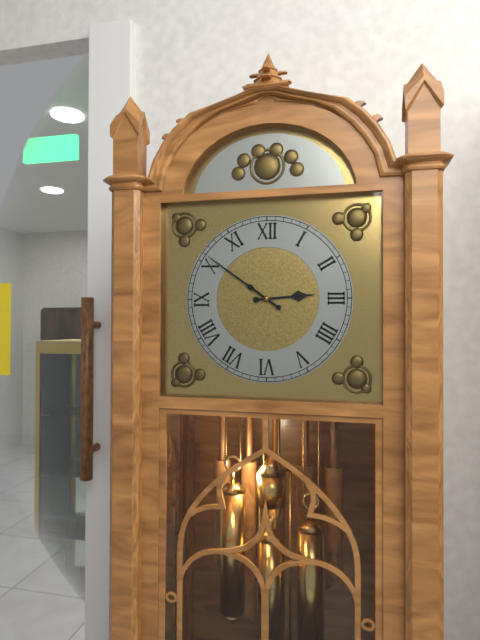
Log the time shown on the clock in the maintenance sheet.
2:51
